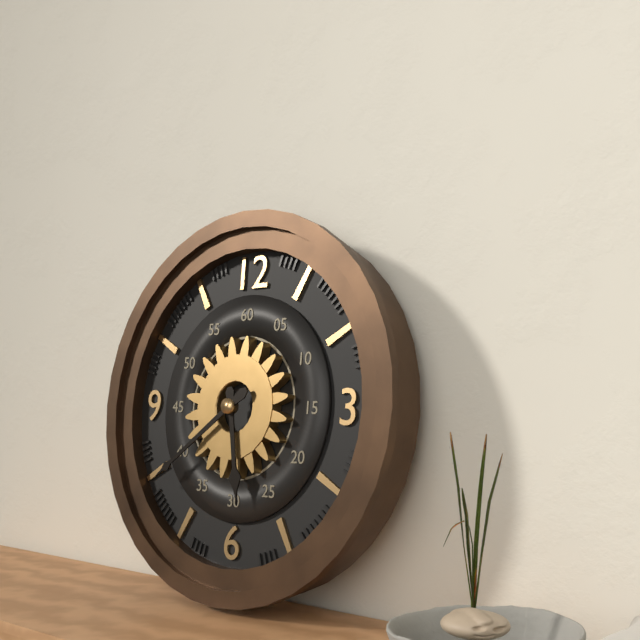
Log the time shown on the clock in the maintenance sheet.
5:39
